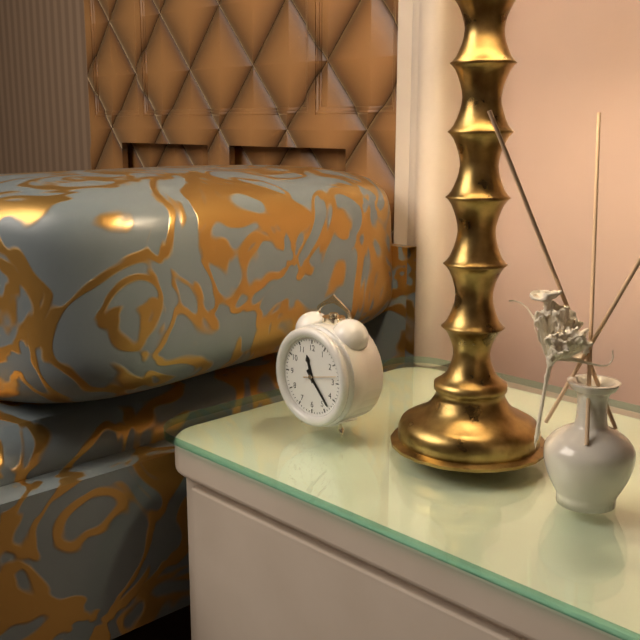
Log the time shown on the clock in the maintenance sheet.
11:23
